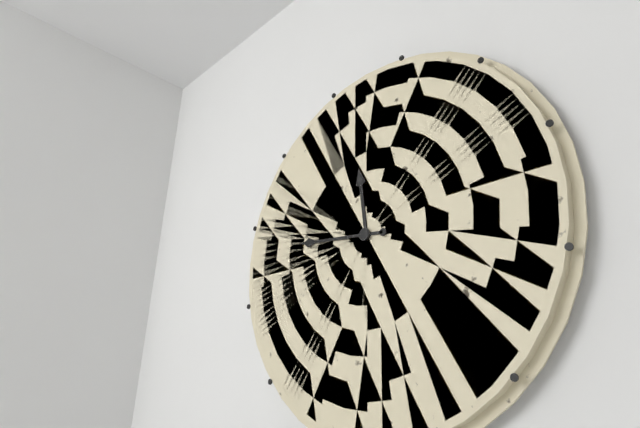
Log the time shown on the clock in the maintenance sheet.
11:46
